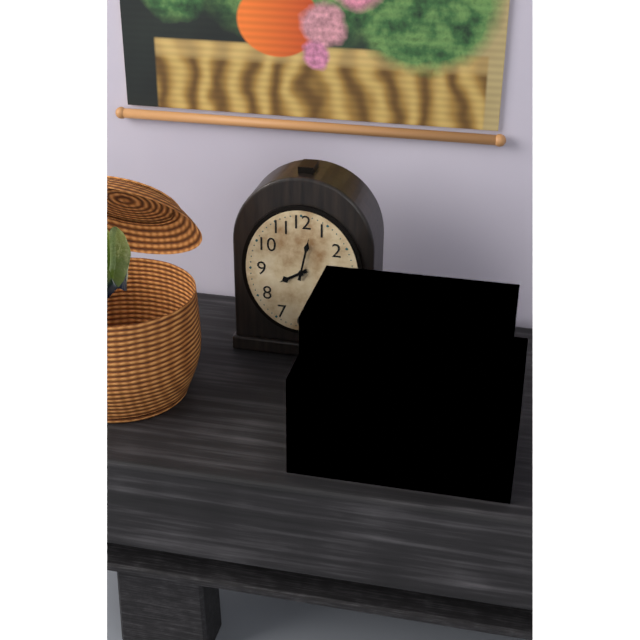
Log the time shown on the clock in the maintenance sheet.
8:02
